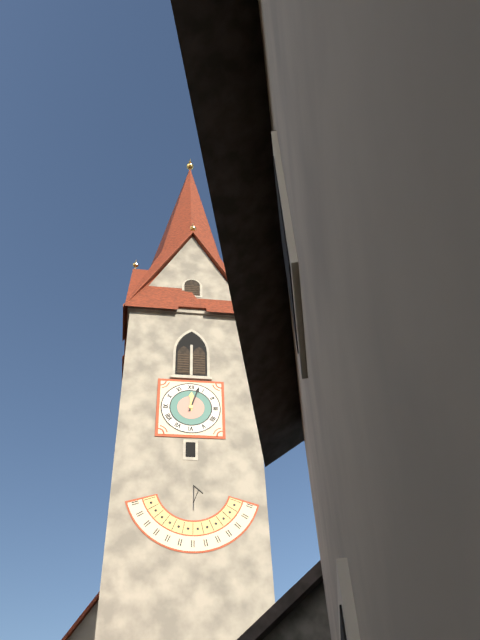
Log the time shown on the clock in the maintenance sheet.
12:03
